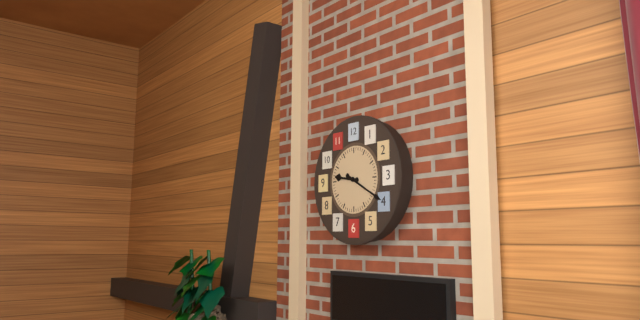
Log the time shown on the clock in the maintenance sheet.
9:20
